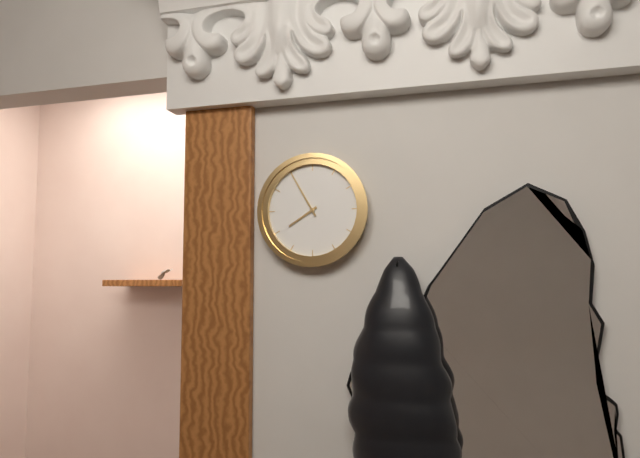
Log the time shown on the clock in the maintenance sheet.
7:55
